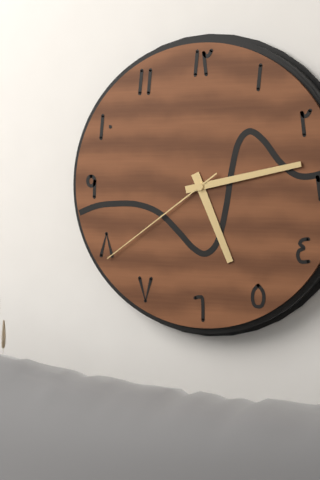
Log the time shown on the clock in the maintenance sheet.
5:13:39
